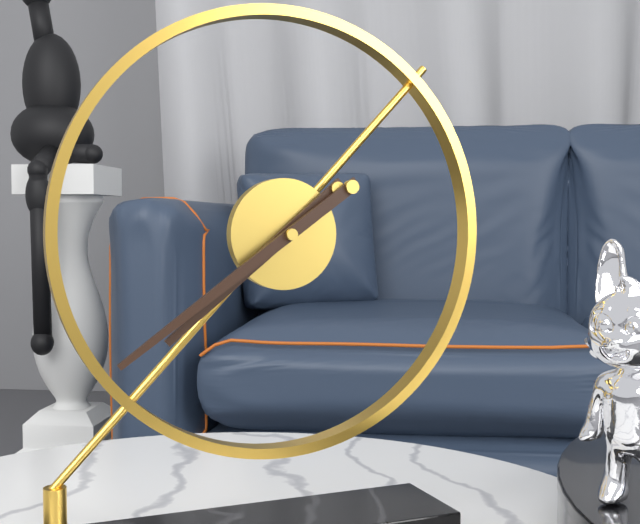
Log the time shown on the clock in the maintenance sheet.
7:39
